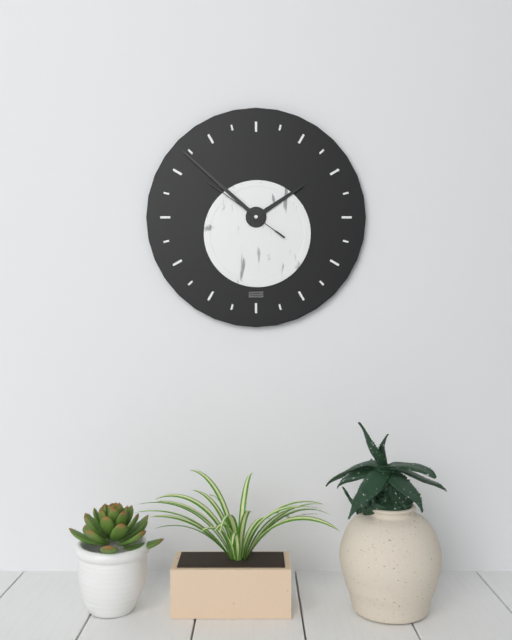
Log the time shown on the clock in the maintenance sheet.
1:52:51
